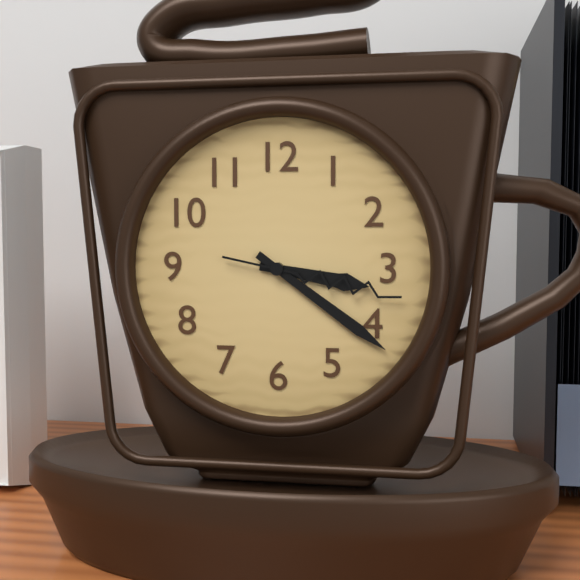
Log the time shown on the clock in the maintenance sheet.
3:21:17
